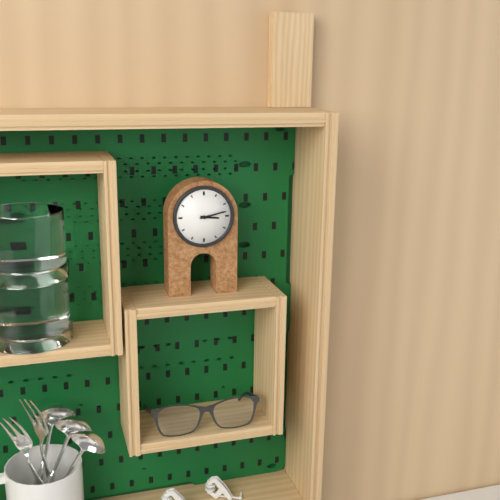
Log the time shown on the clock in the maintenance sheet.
3:13
